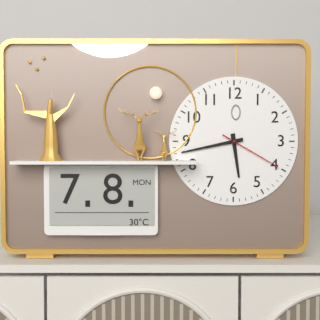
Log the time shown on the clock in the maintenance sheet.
5:43:20
